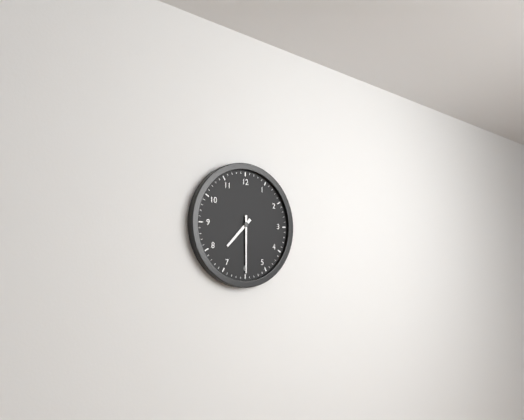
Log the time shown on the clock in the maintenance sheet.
7:30
